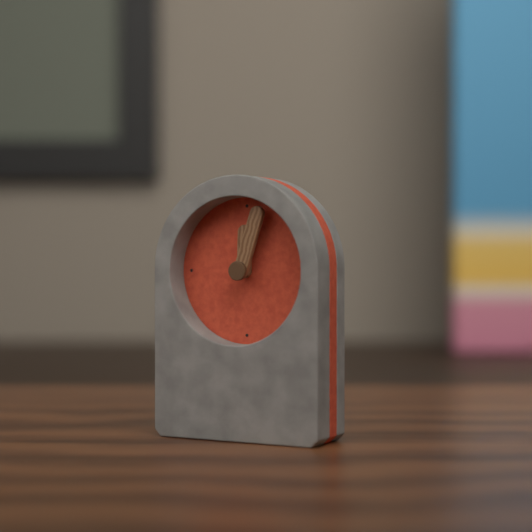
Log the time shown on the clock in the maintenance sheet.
12:03
